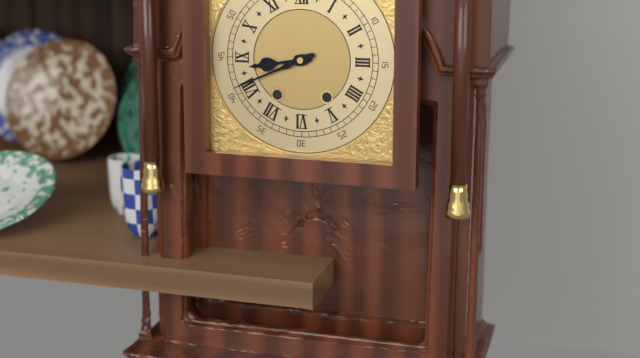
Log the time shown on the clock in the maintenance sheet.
8:41
